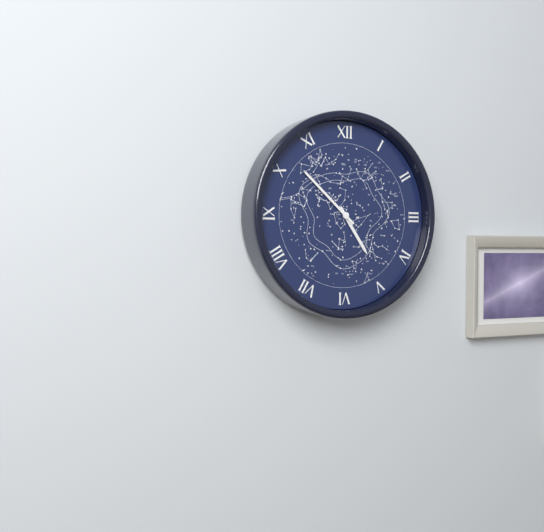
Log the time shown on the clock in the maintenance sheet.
4:52
